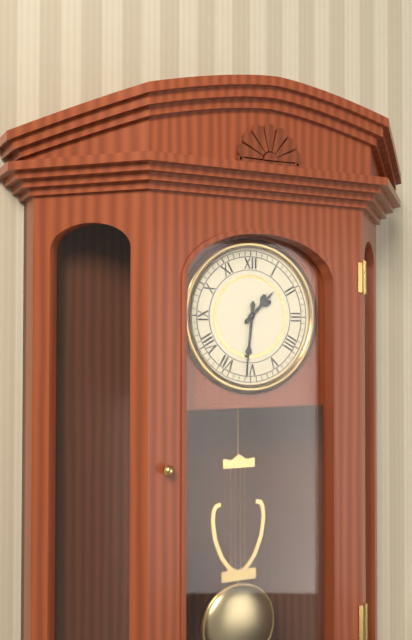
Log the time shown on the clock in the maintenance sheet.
1:31
